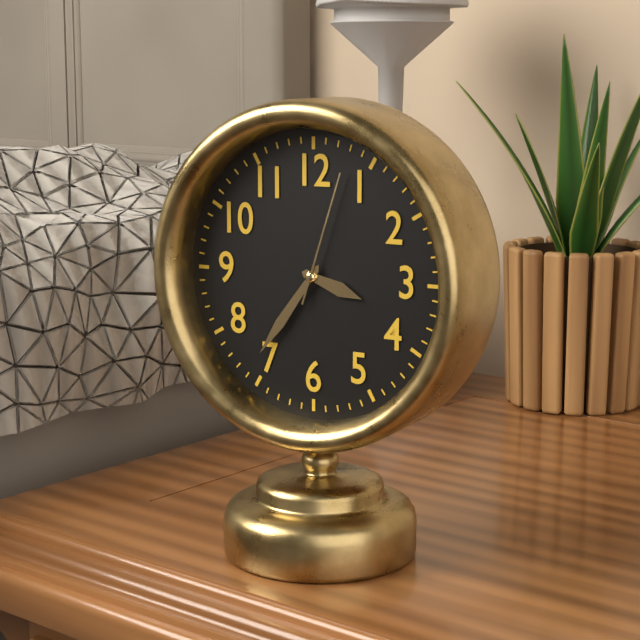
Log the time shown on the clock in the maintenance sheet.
3:36:03
